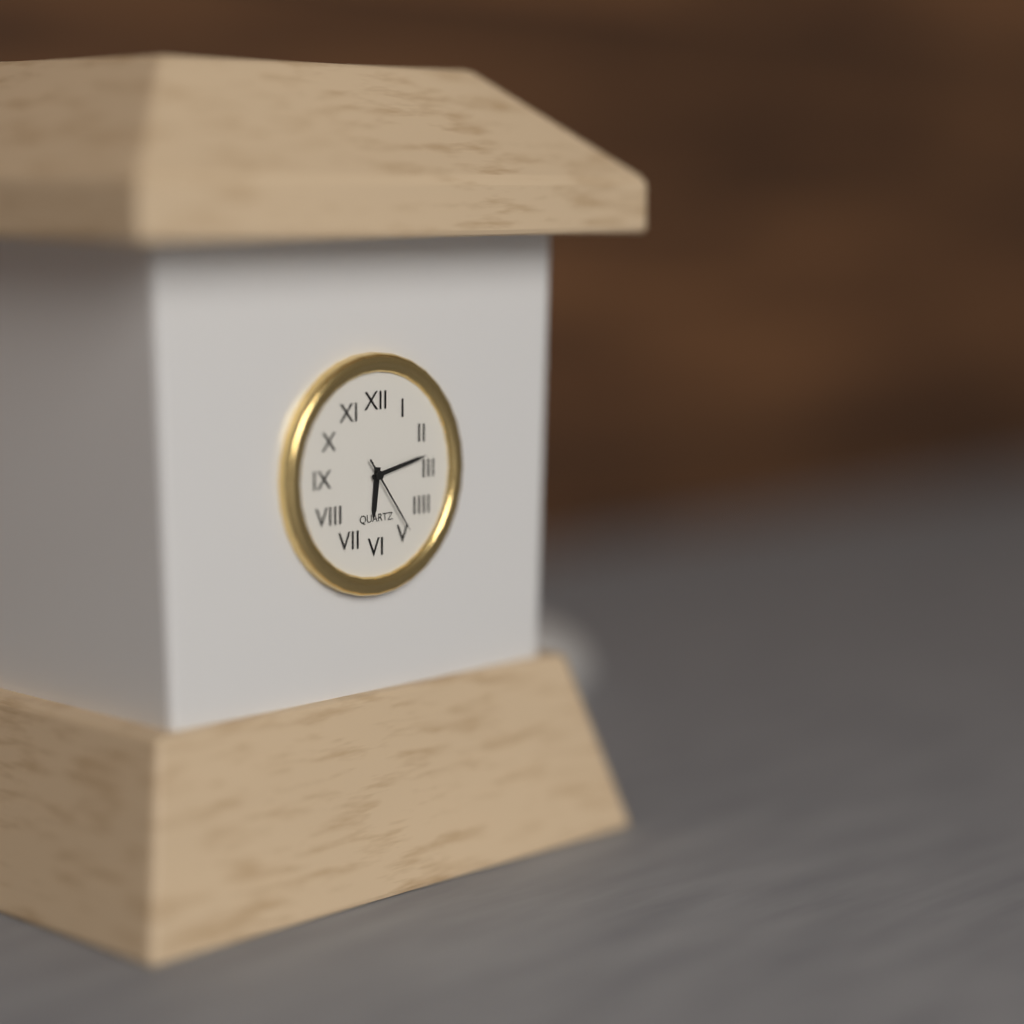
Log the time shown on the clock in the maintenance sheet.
6:13:24
